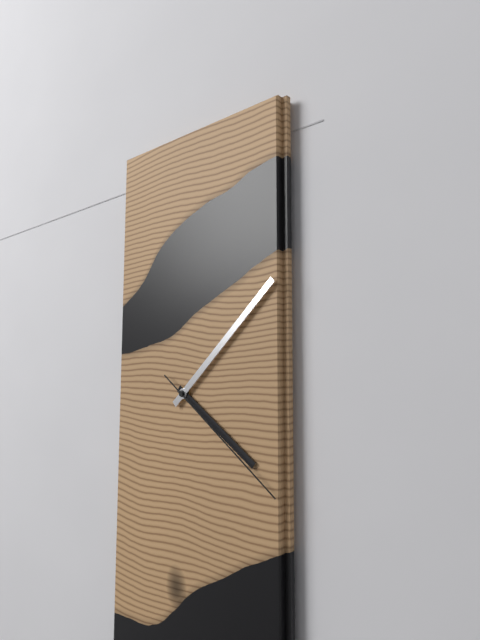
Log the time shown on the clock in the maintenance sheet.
4:08:21
